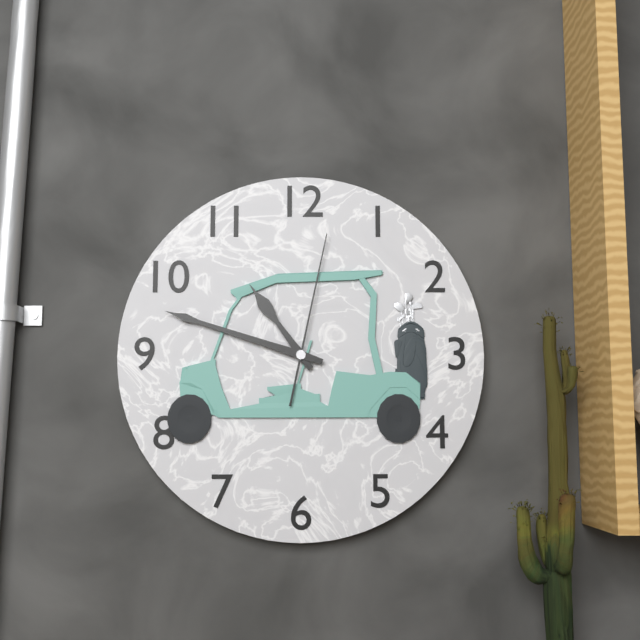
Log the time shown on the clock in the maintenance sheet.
10:48:02
